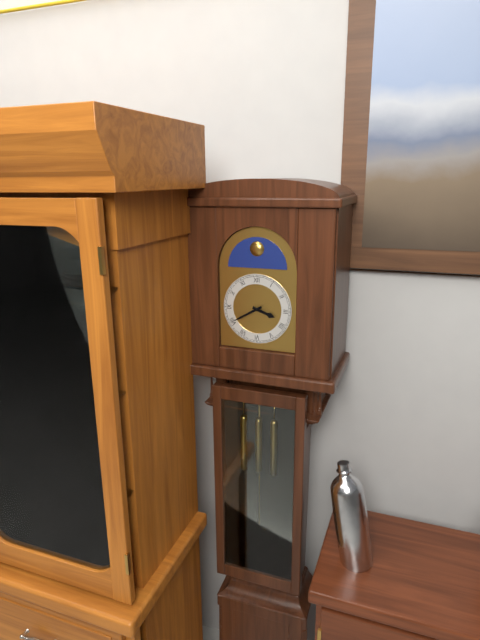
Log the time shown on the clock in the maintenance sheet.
3:40
